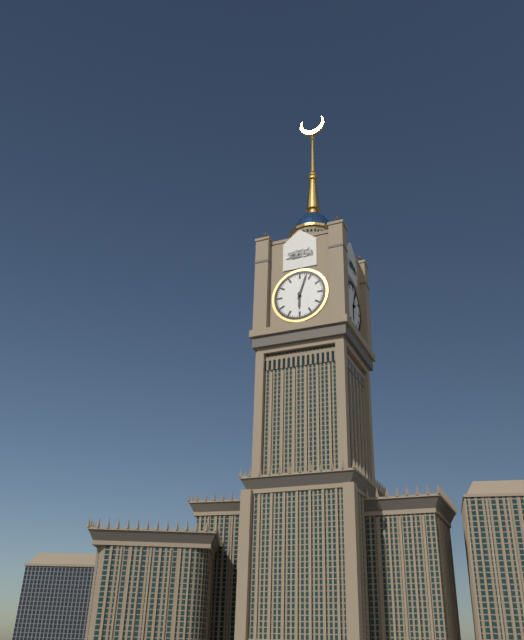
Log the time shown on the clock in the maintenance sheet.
6:03
